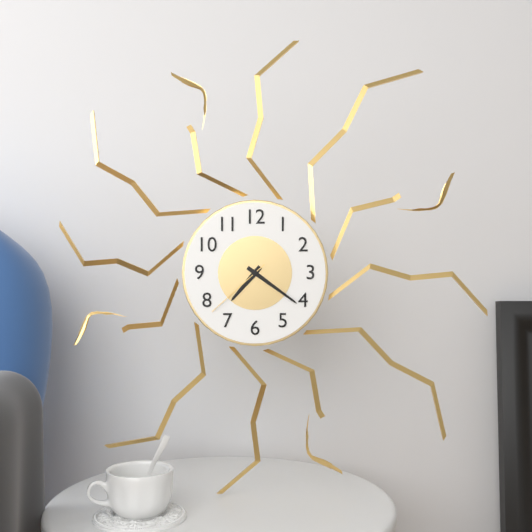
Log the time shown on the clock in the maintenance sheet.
7:21:38
